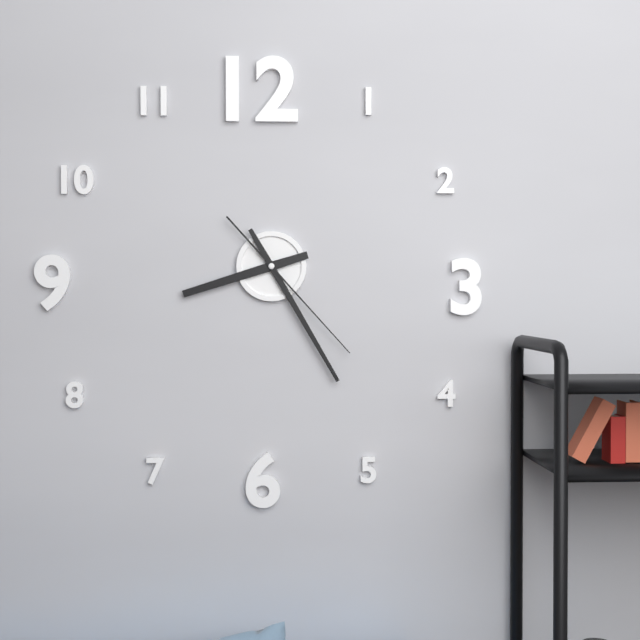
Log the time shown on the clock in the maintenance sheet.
8:25:23
